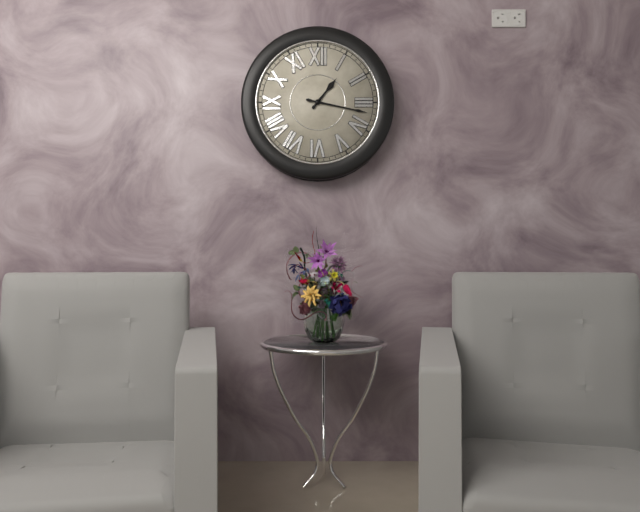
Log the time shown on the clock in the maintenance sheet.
1:17
